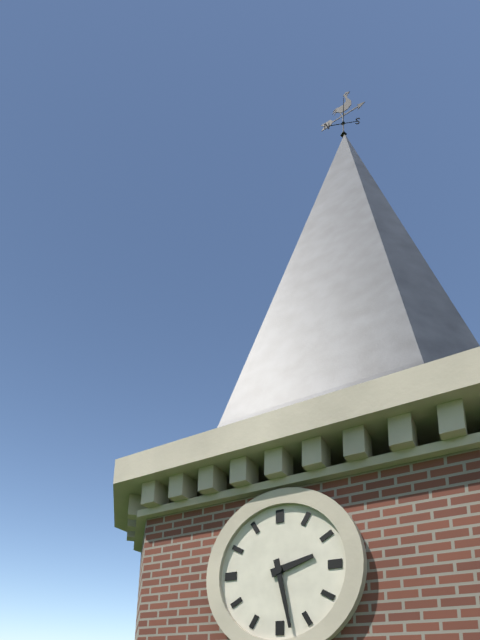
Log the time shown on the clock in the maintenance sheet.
2:28
